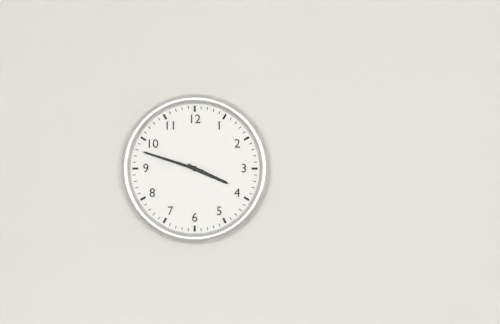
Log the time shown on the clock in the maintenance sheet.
3:48
